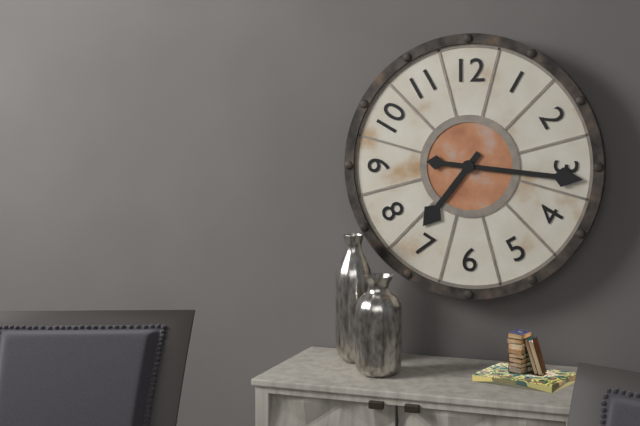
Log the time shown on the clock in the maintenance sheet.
7:16
